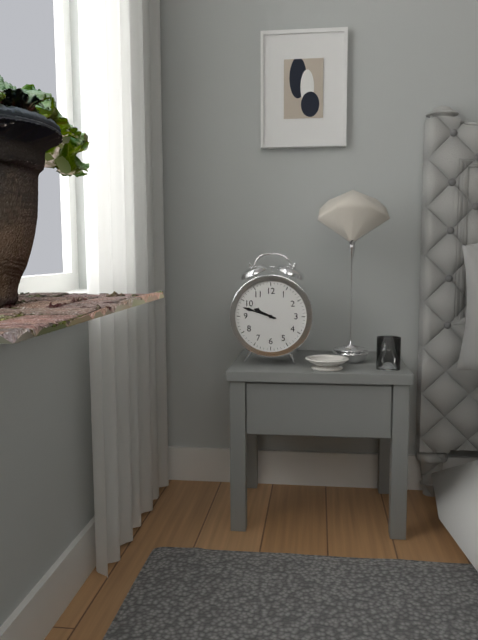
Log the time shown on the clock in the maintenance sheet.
9:48
